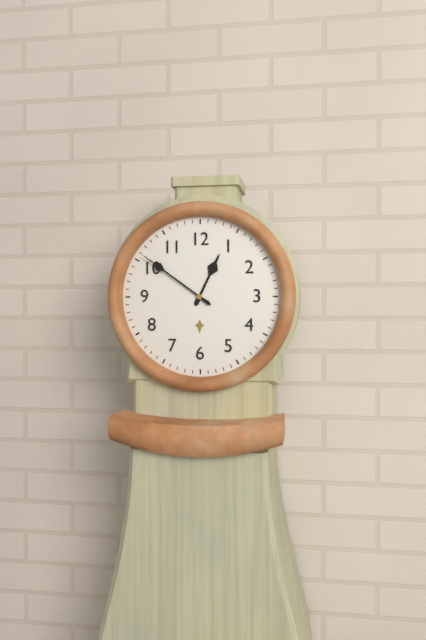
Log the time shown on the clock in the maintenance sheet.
12:51
